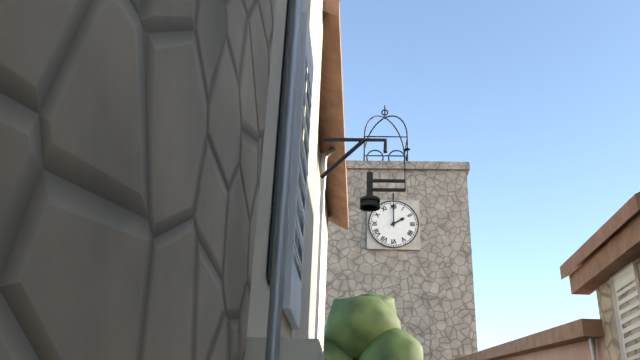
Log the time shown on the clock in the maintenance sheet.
2:00
